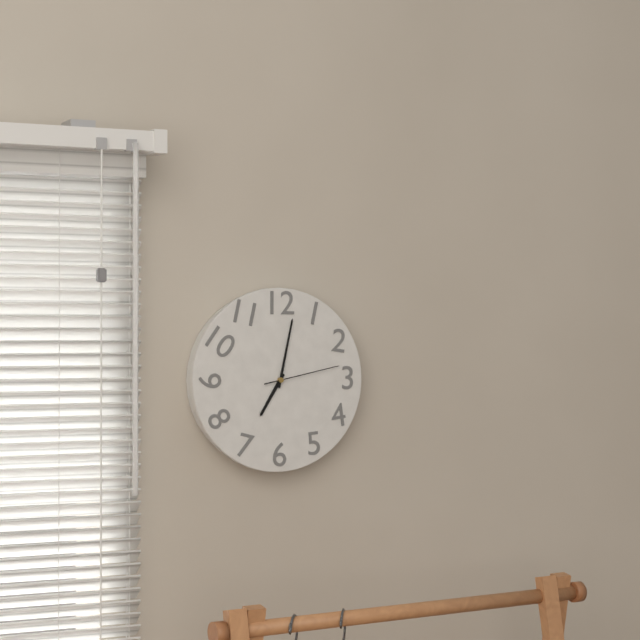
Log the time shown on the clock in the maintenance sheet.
7:02:13
